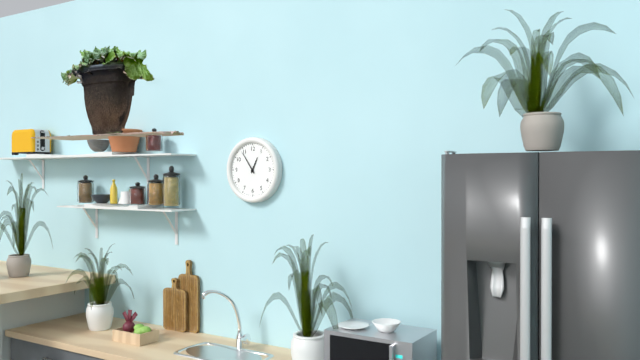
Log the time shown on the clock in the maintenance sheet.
12:54
